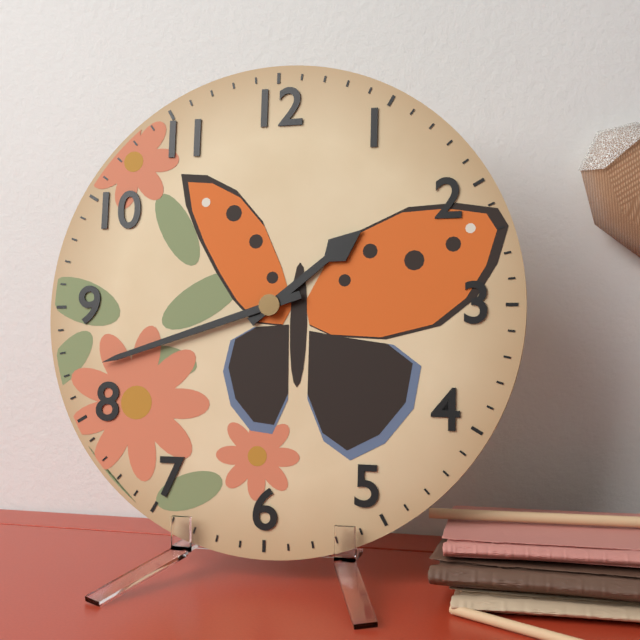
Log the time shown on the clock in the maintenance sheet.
1:42
